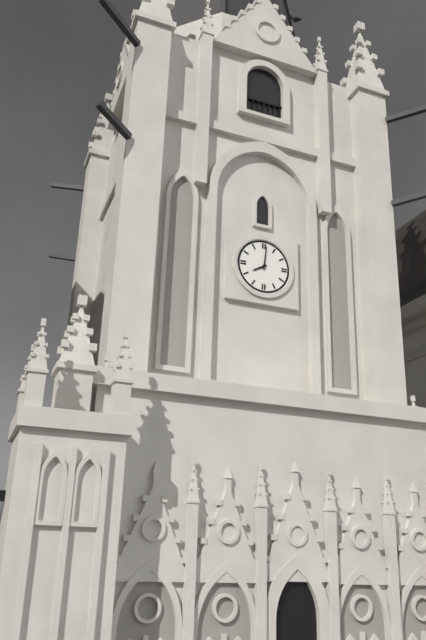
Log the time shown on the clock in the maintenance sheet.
8:01
